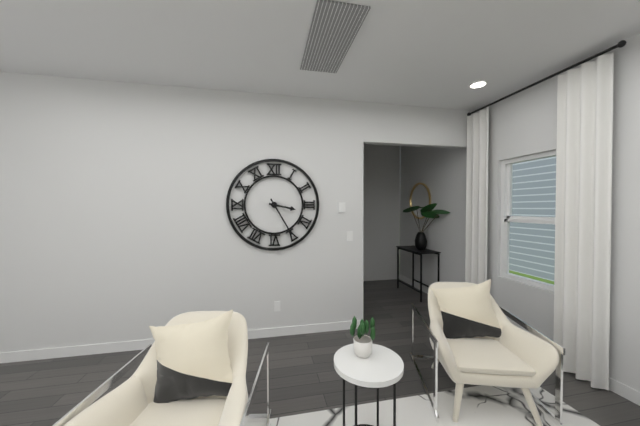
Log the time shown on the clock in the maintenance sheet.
3:25
